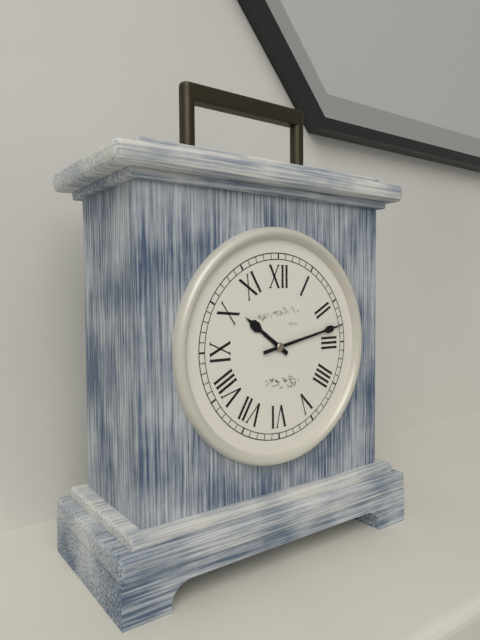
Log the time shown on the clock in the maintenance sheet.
10:13
